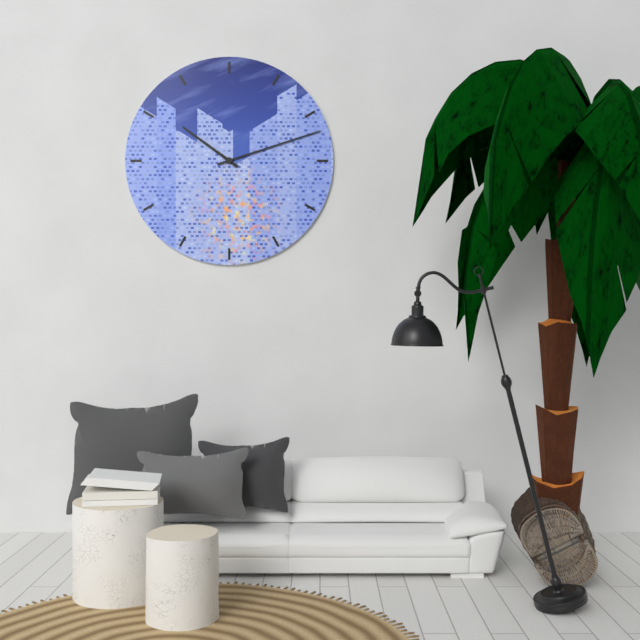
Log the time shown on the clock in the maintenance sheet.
10:12
